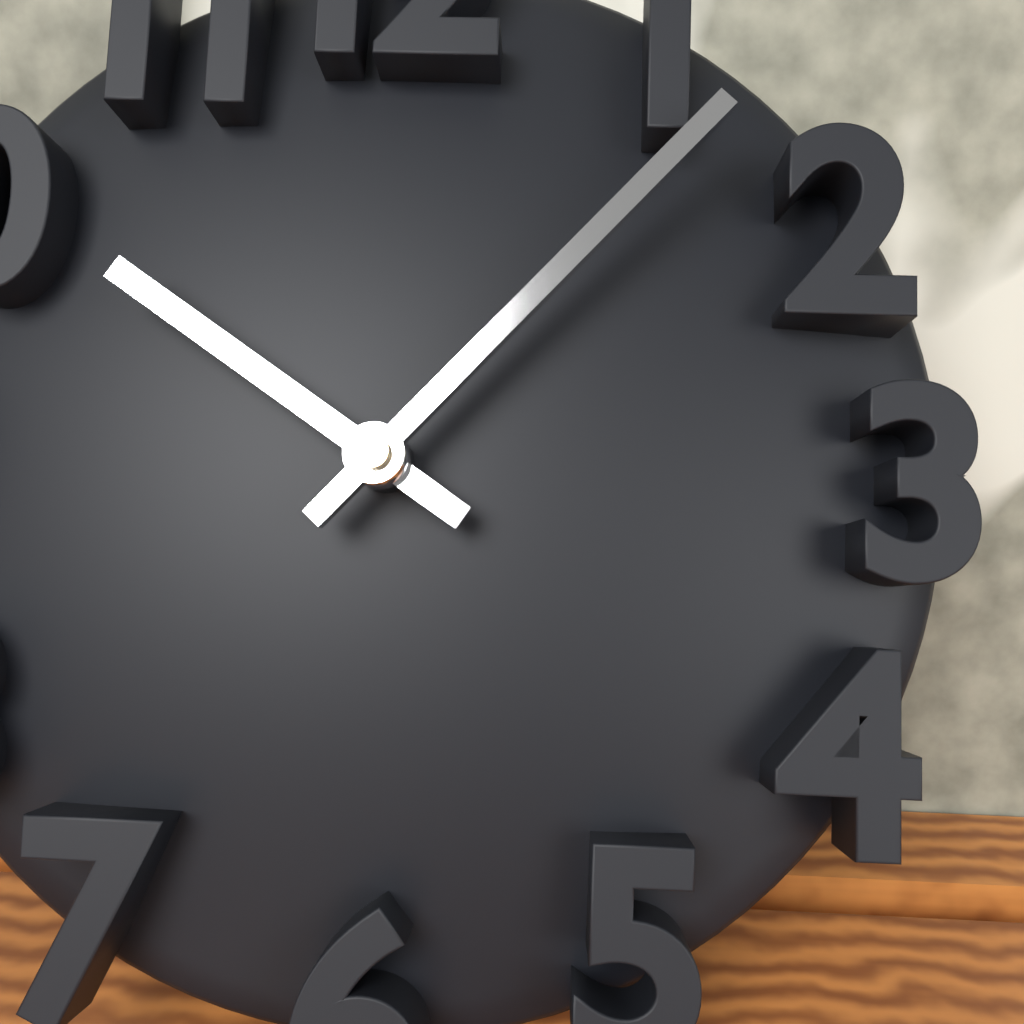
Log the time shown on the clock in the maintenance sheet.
10:07
